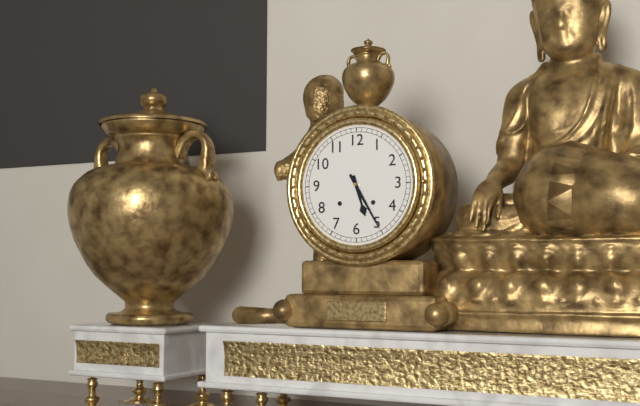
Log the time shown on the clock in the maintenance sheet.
5:25
